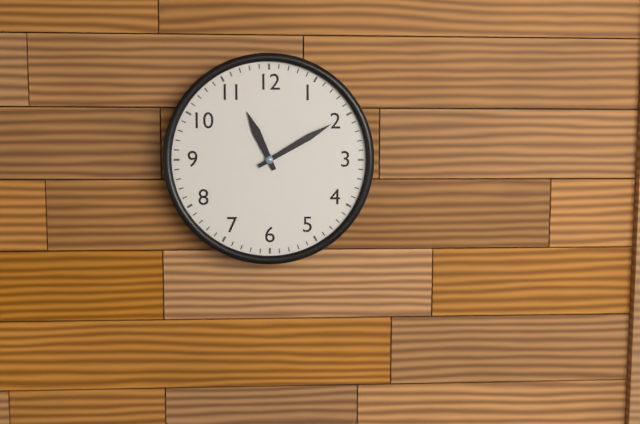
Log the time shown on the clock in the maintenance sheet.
11:10
